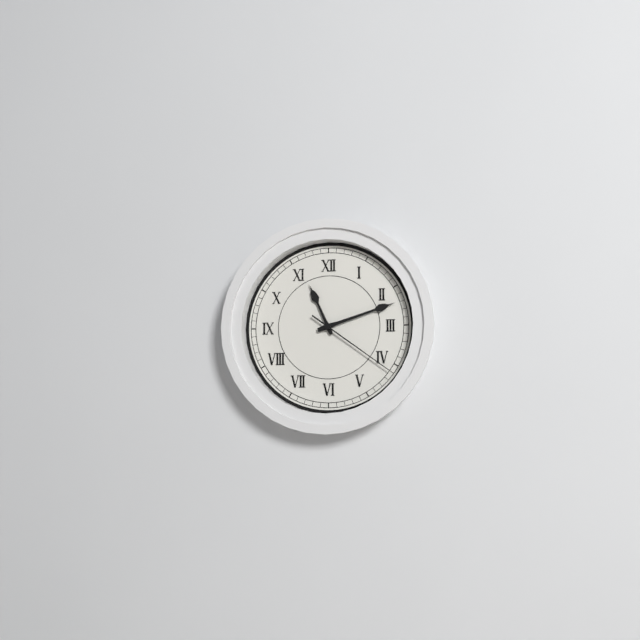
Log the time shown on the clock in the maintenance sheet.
11:12:21
